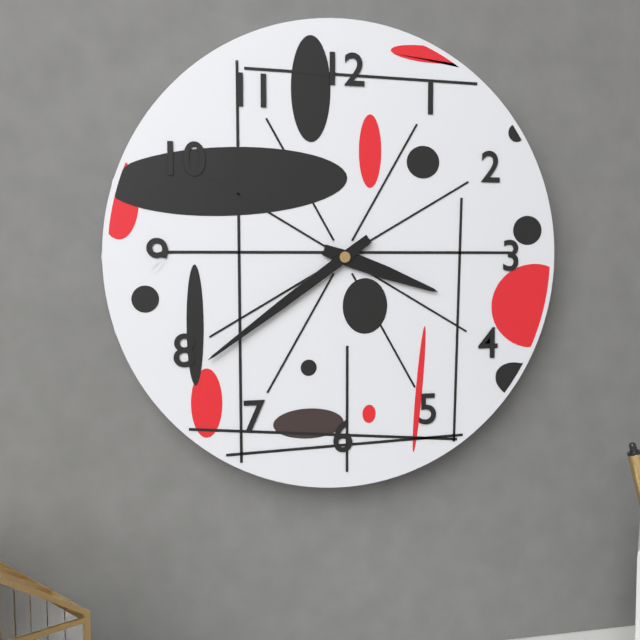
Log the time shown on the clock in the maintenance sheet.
3:39
